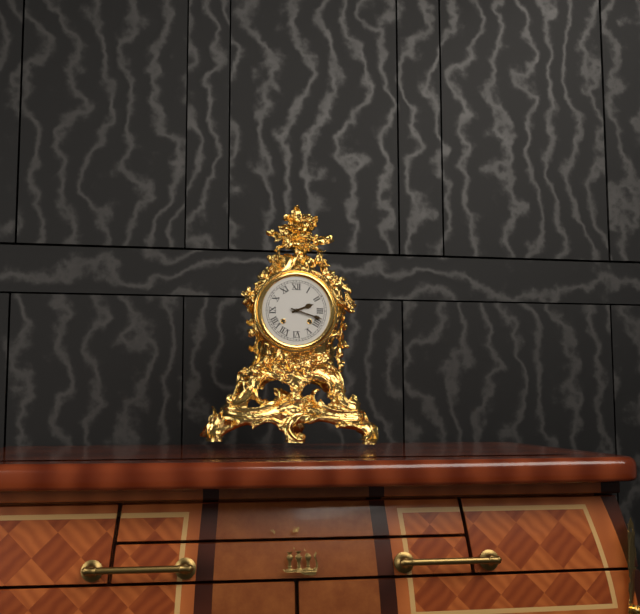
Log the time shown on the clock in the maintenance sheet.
2:18
